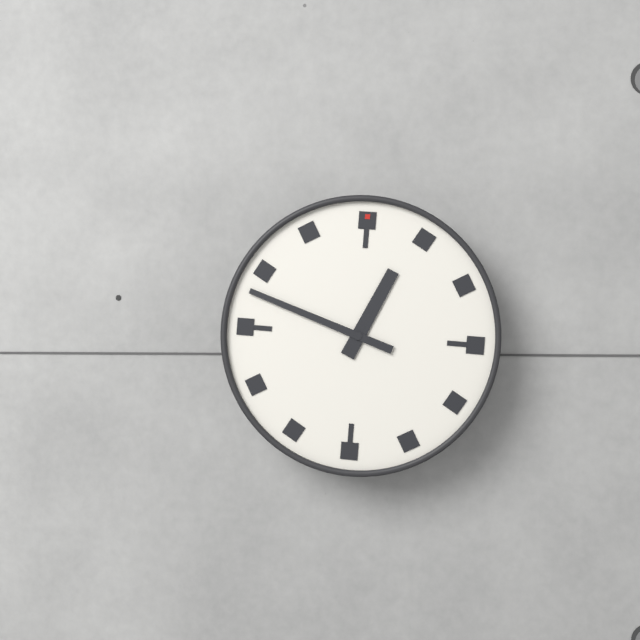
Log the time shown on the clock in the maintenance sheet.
12:48
